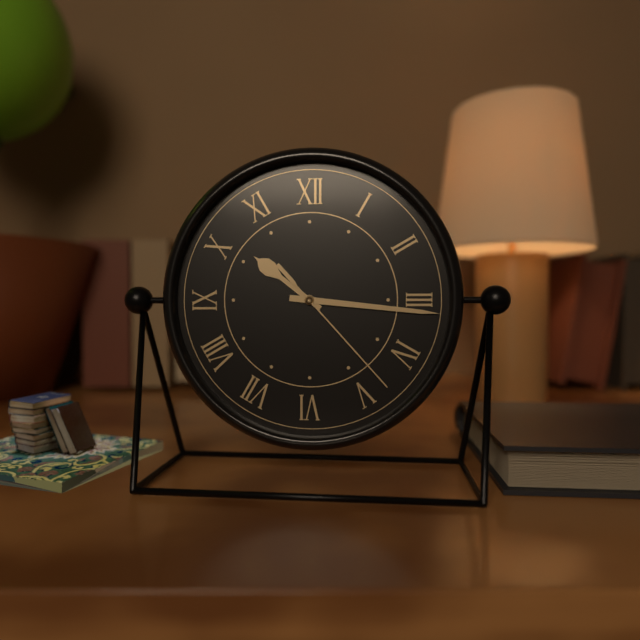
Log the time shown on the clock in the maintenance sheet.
10:16:23
